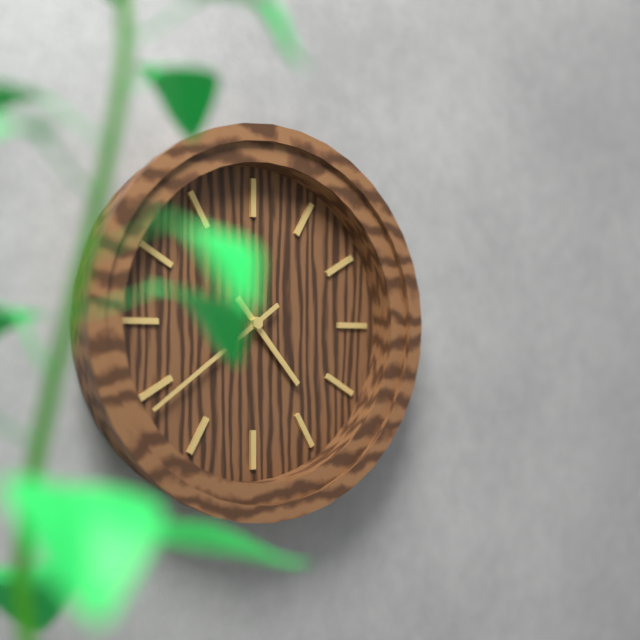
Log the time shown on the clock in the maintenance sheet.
4:39
